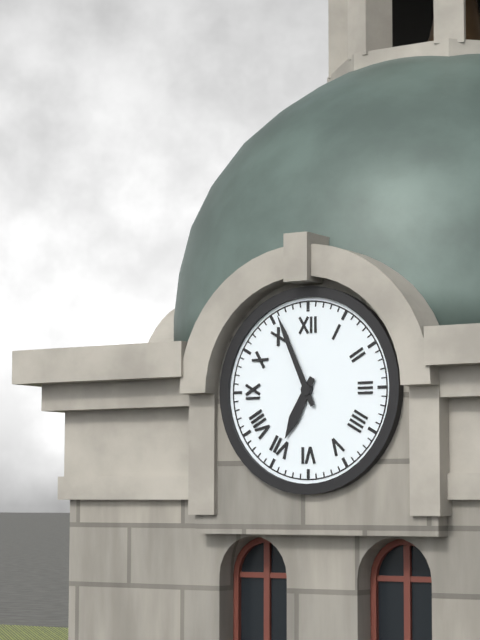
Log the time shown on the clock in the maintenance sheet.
6:56
